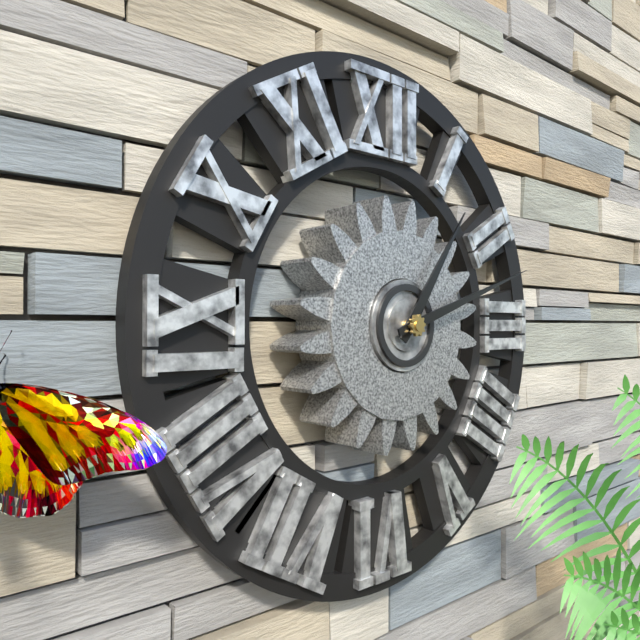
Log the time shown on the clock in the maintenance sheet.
1:12
